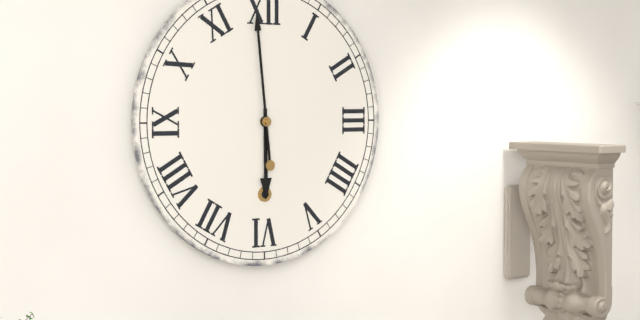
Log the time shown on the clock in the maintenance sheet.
5:59
